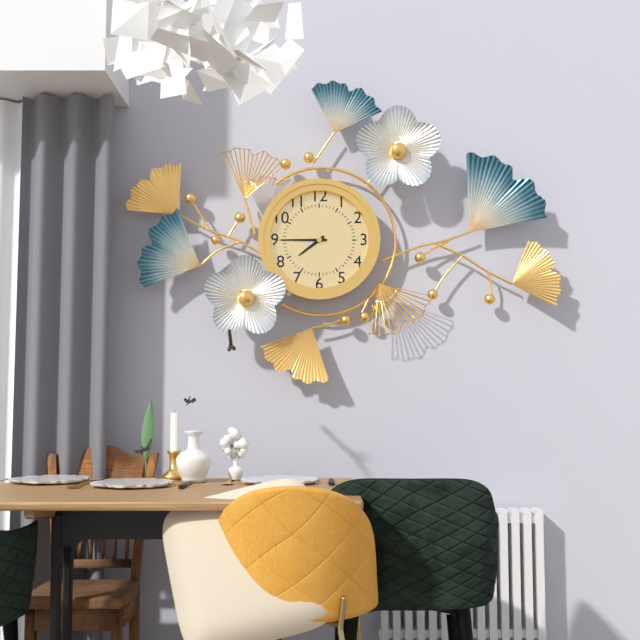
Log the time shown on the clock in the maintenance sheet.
7:45
